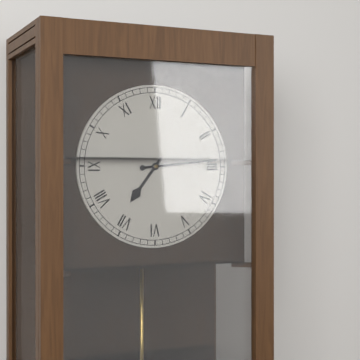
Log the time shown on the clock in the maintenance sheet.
7:14
